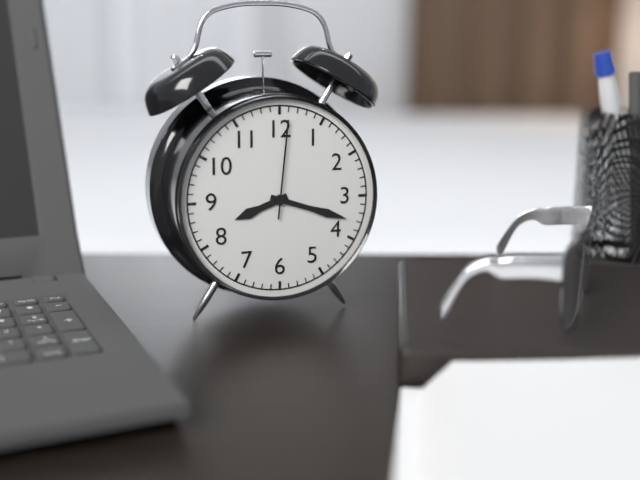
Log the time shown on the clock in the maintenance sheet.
8:18:01
